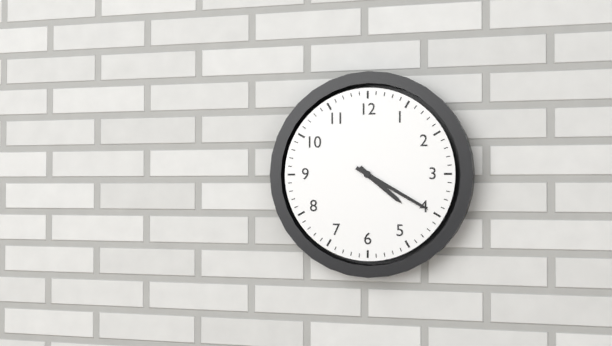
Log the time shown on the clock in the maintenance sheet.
4:20
